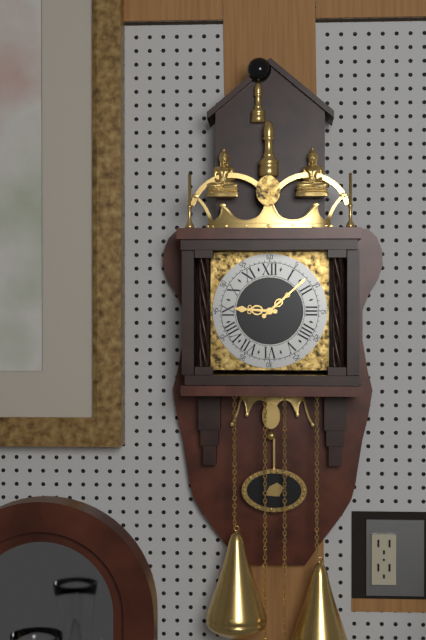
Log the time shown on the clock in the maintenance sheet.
9:08
